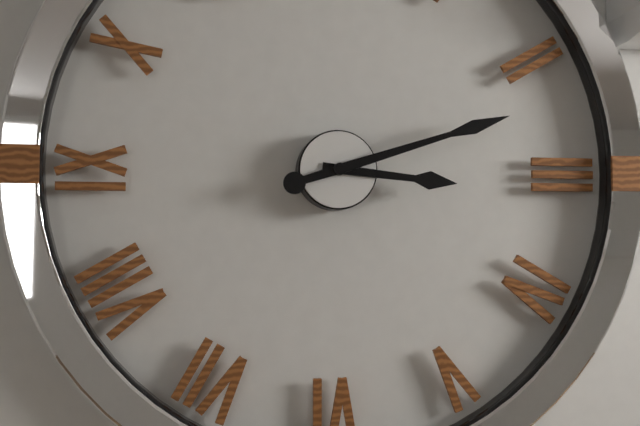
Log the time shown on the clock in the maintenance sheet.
3:12
